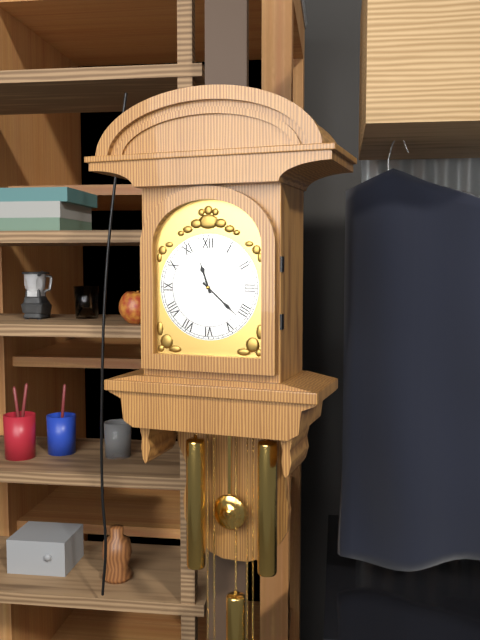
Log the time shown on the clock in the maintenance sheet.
11:22
